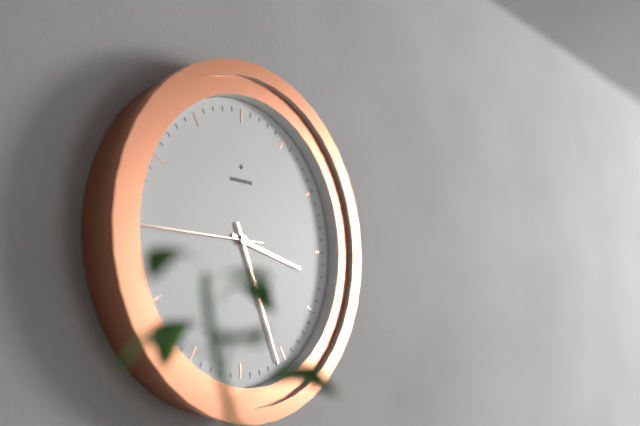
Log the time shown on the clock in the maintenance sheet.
3:26:45
